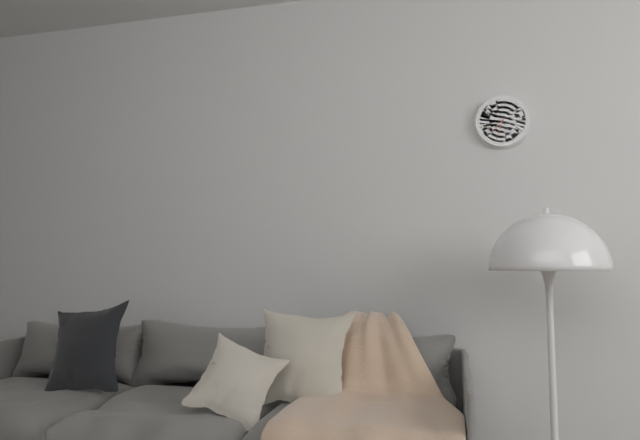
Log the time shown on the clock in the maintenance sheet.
7:33
